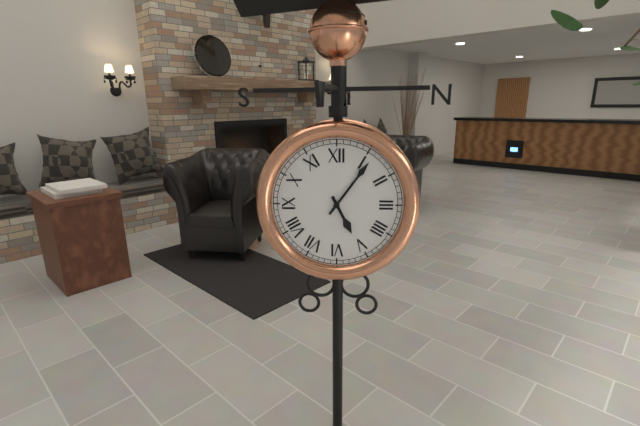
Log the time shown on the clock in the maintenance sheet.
5:06
